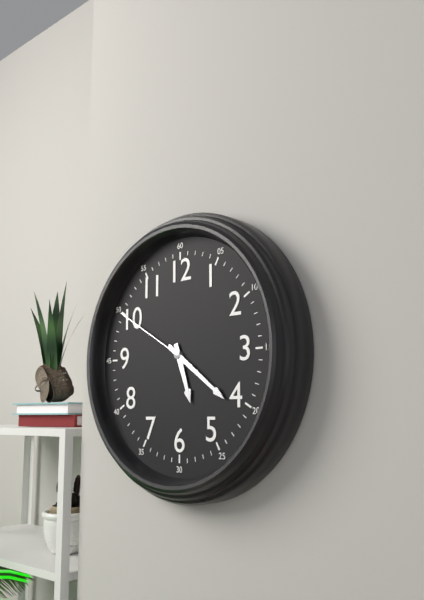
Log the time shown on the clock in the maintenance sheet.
5:21:50
